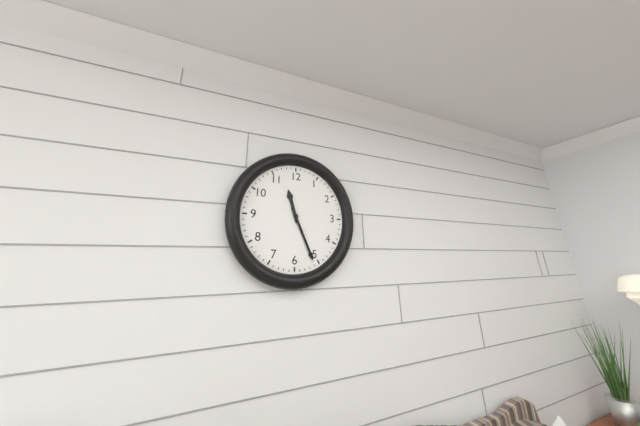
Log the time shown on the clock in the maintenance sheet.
11:26
